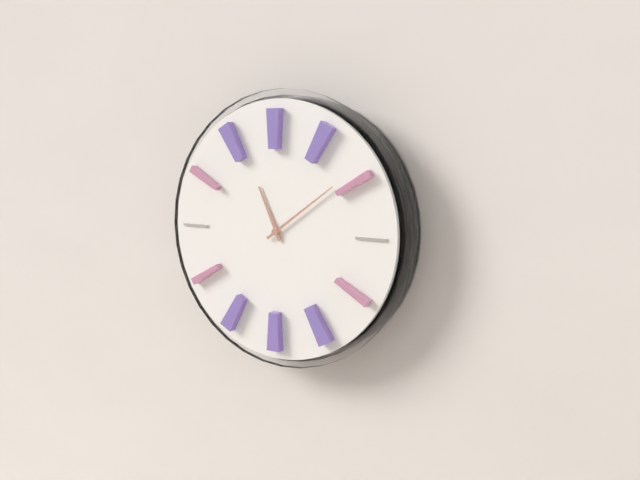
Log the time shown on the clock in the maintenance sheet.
11:09
